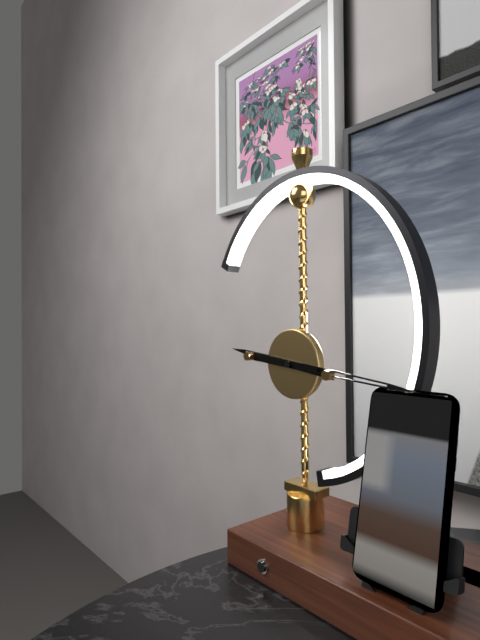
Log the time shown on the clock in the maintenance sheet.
9:16
